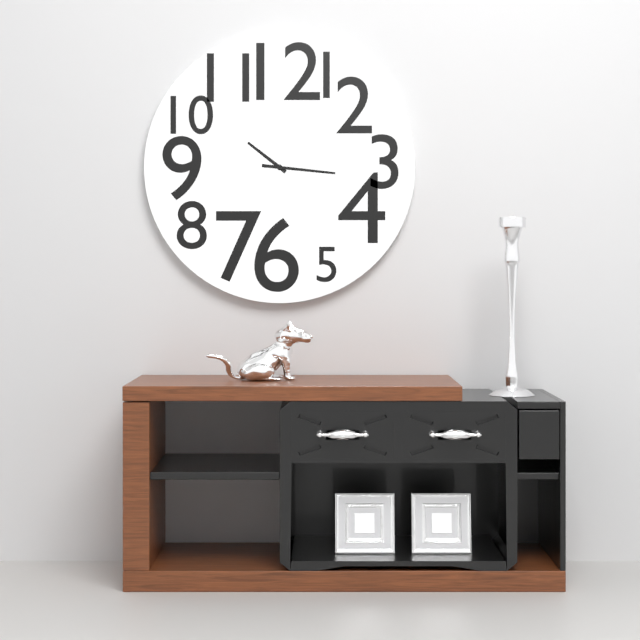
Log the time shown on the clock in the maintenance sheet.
10:16
